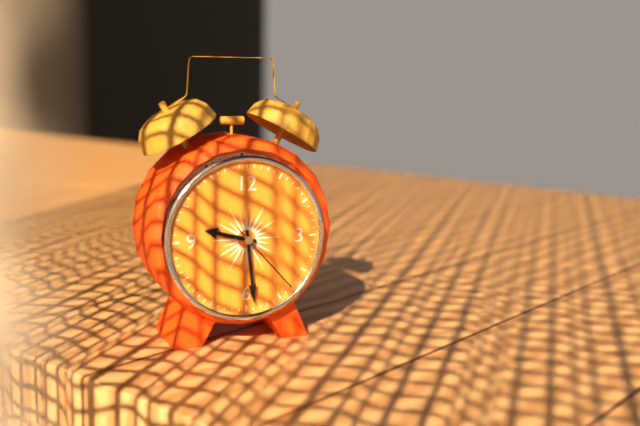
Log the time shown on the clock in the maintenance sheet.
9:29:23
